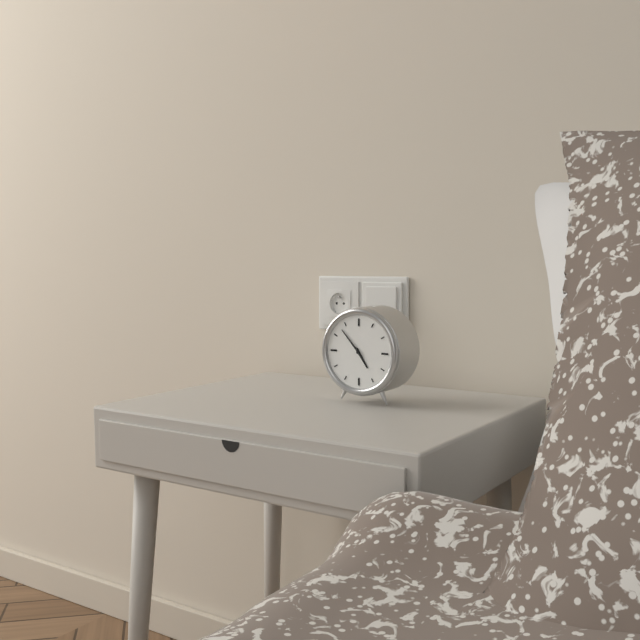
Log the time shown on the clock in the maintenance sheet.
4:53
